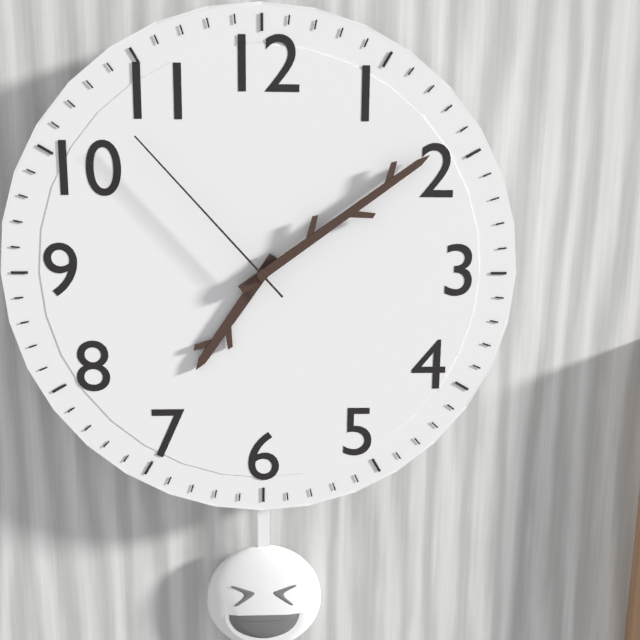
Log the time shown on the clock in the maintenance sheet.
7:09:53
